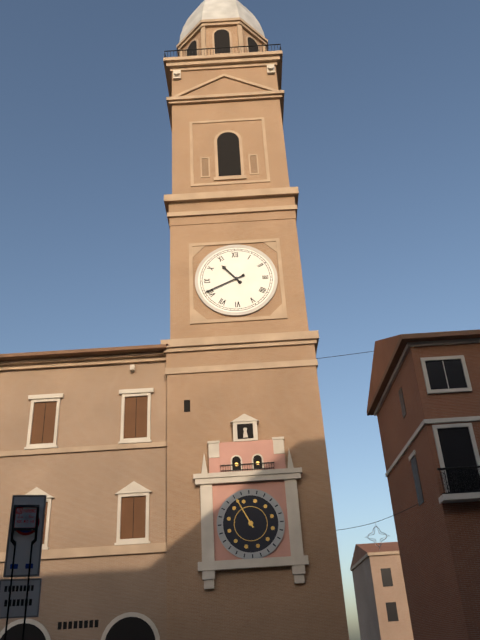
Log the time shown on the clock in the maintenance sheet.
10:41
